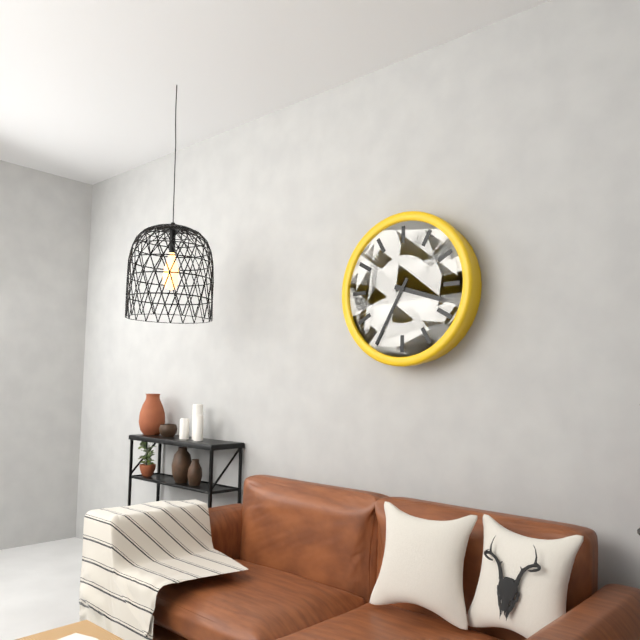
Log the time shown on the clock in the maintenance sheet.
3:35
